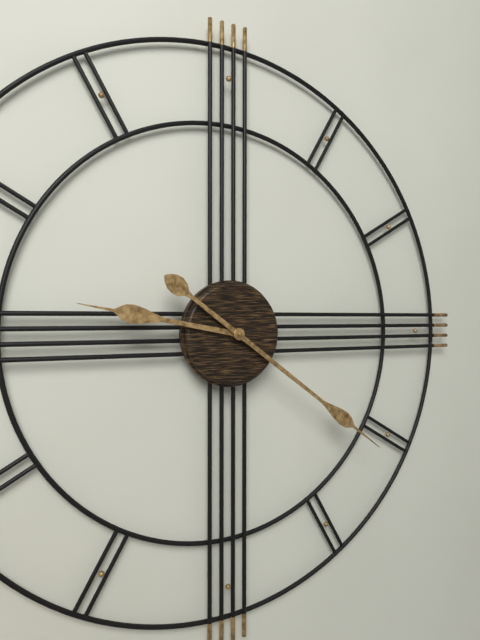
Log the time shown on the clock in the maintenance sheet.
9:21
